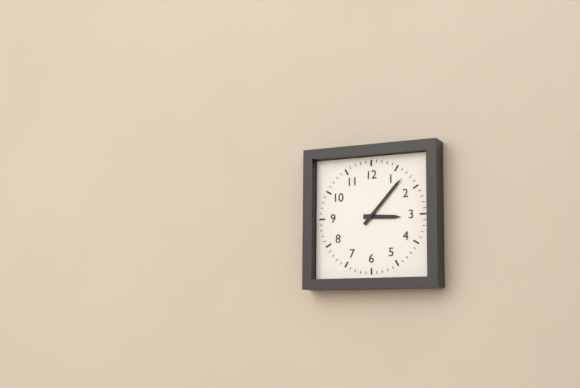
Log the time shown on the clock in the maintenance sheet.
3:07
